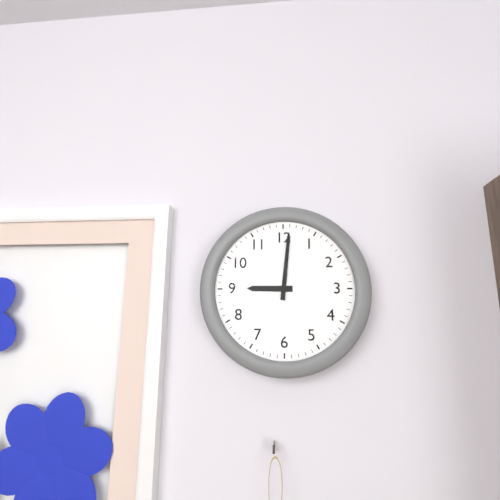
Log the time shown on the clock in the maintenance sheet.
9:01
